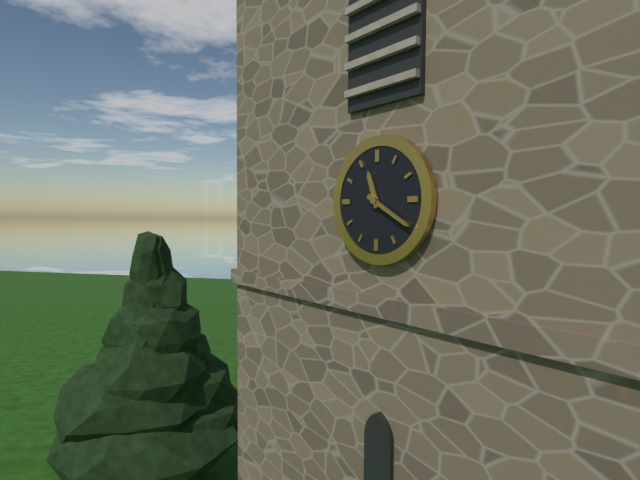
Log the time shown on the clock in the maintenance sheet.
11:20
